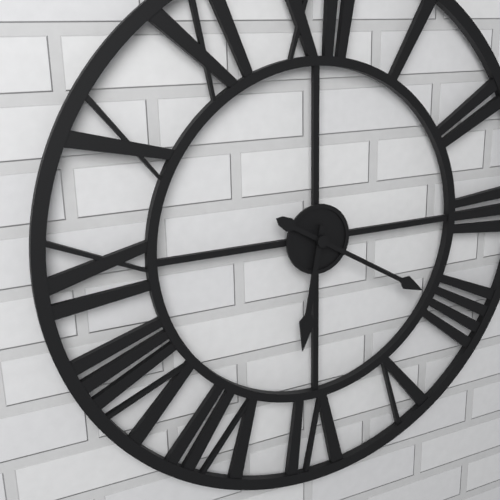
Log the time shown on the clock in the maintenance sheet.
6:20
